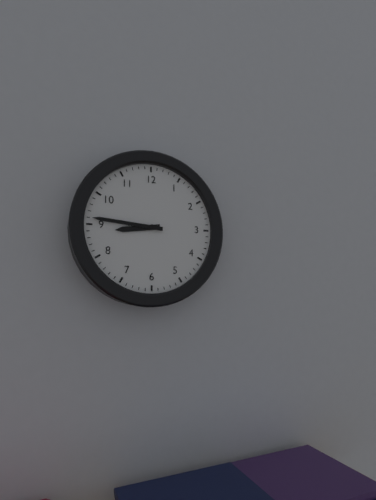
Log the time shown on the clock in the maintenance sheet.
8:46
